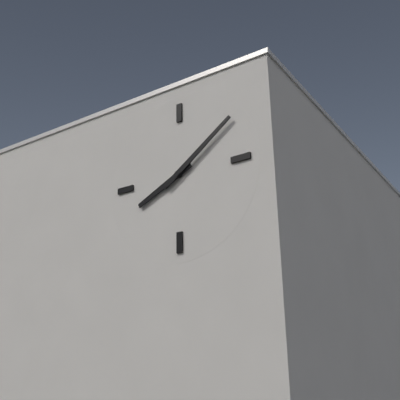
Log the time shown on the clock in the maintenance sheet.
8:09
